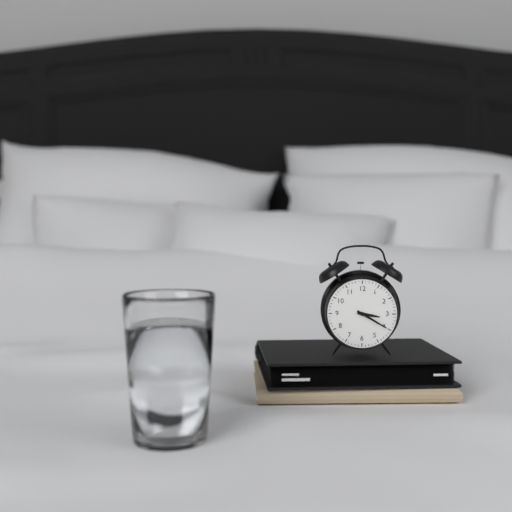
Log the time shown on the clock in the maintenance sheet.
3:20
